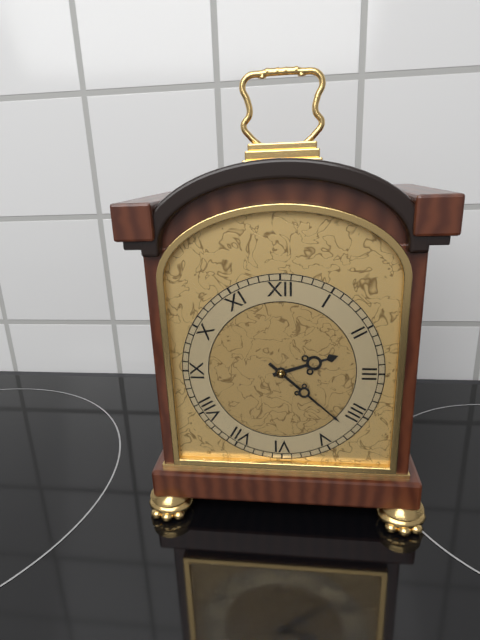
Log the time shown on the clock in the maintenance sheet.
2:22
